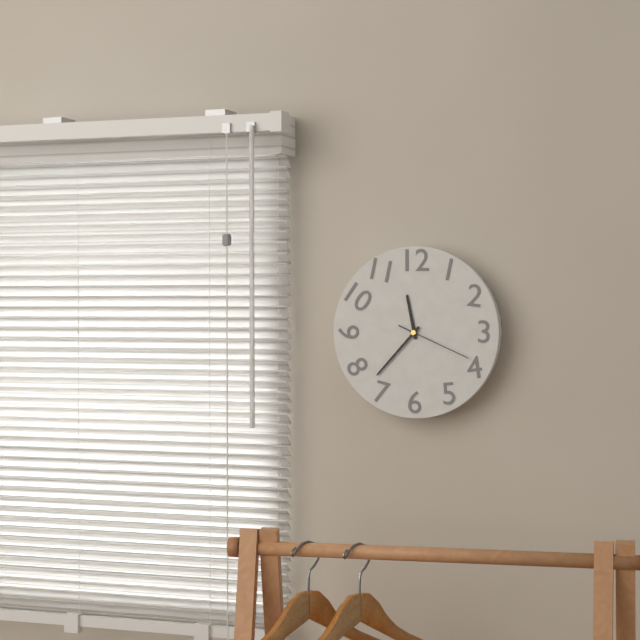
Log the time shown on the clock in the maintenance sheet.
11:37:19
